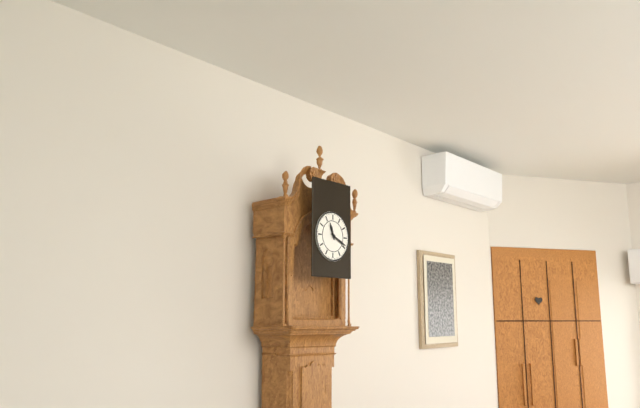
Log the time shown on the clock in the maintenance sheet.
11:19
